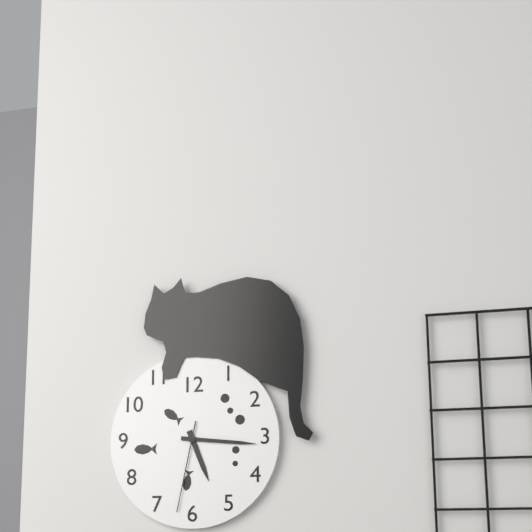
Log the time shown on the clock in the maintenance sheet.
5:16:32
